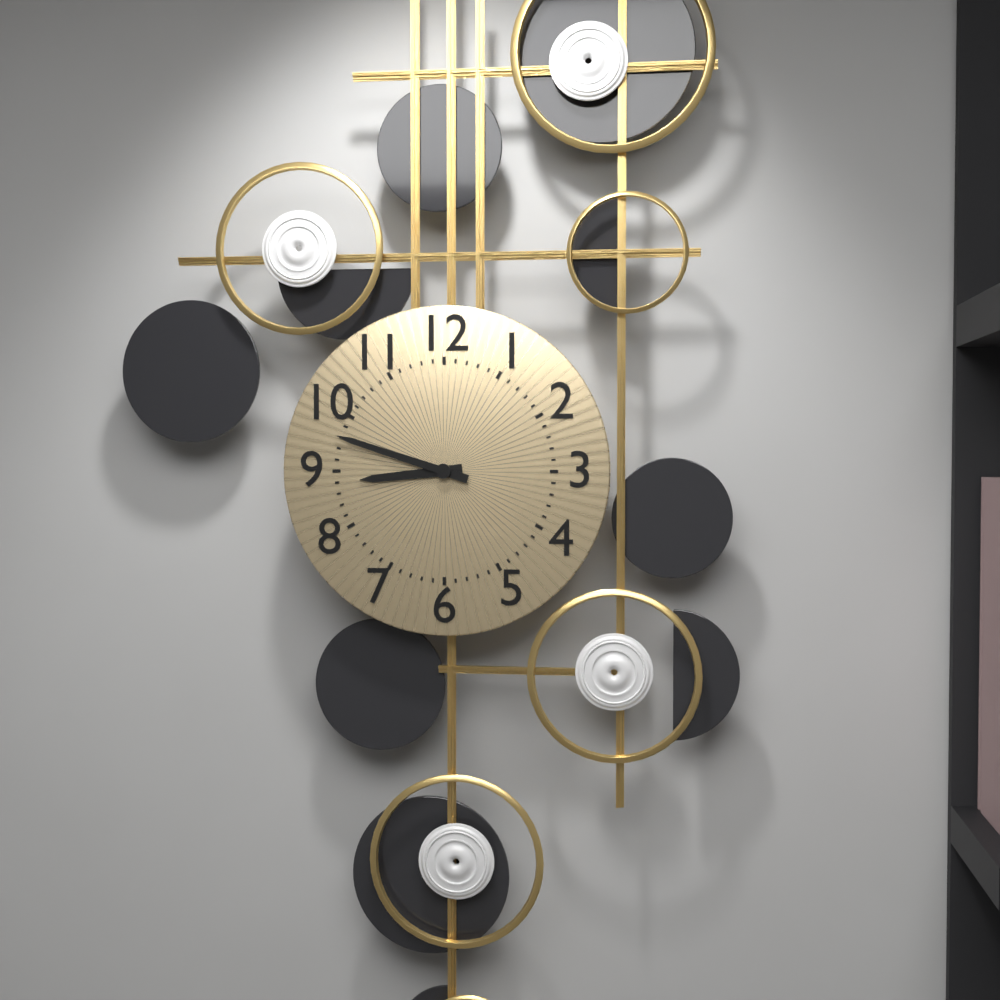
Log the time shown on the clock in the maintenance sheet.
8:48
